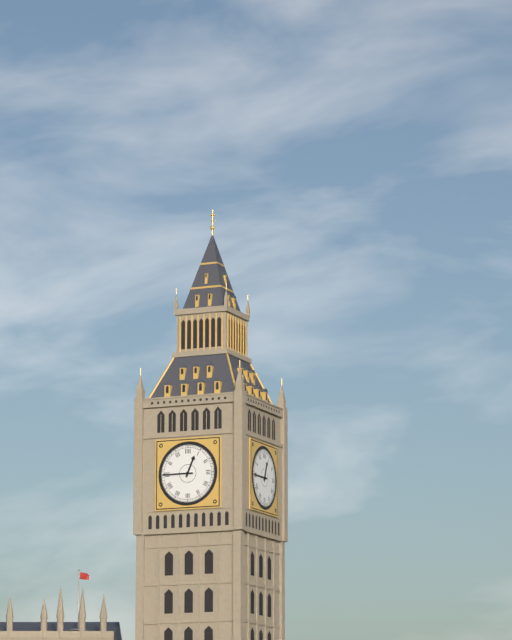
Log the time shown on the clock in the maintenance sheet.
12:45
